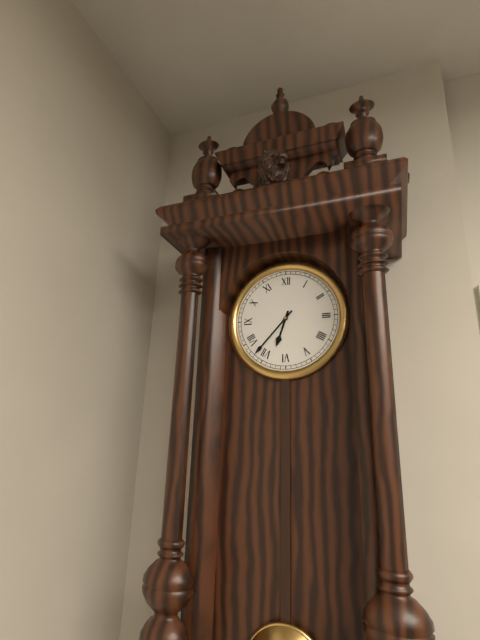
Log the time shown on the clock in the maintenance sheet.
6:37
